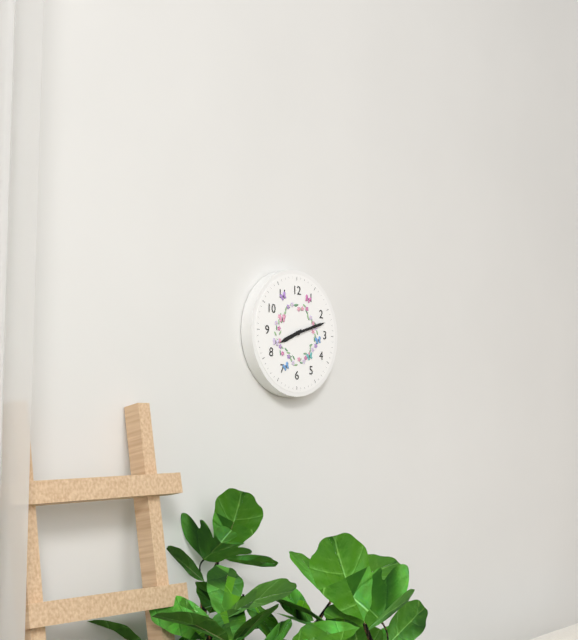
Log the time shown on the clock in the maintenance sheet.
8:12
